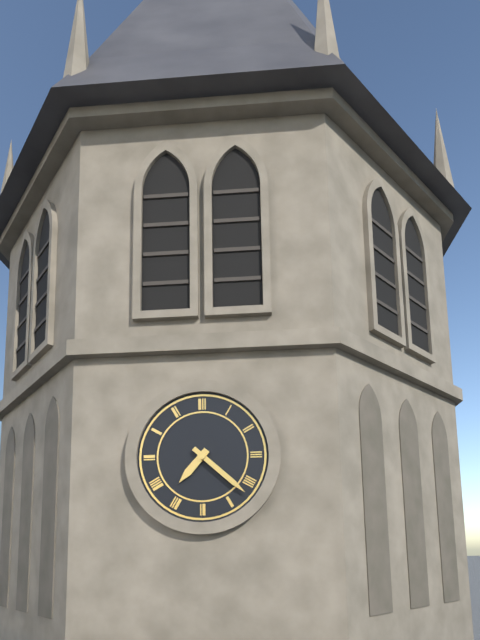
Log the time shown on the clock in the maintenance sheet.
7:22
